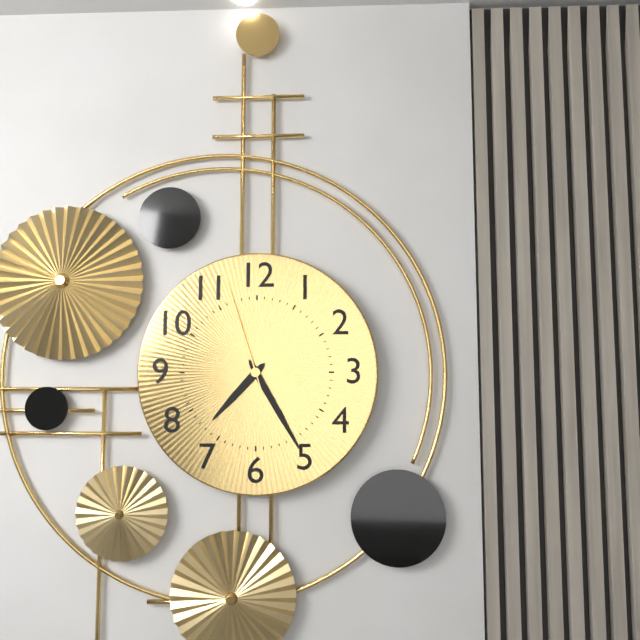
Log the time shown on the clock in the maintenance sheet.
7:25:57
